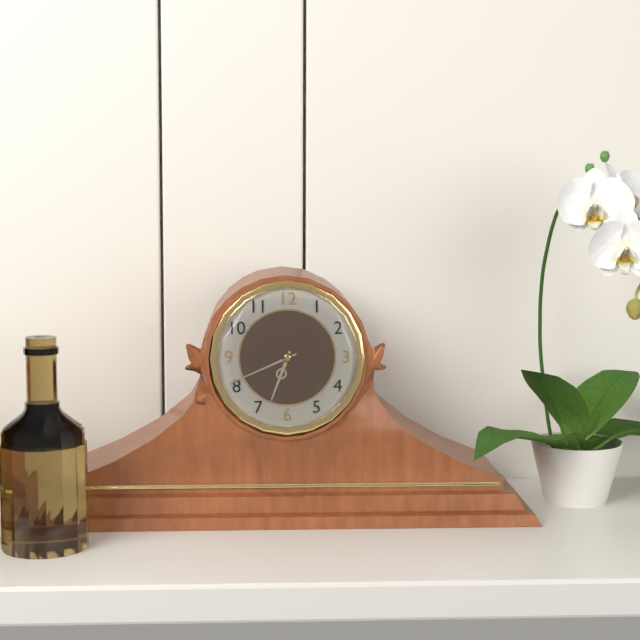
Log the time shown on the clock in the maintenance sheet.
6:41
